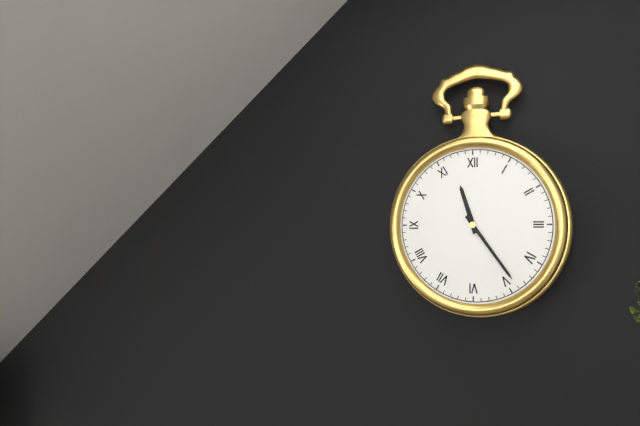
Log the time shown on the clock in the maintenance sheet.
11:24
